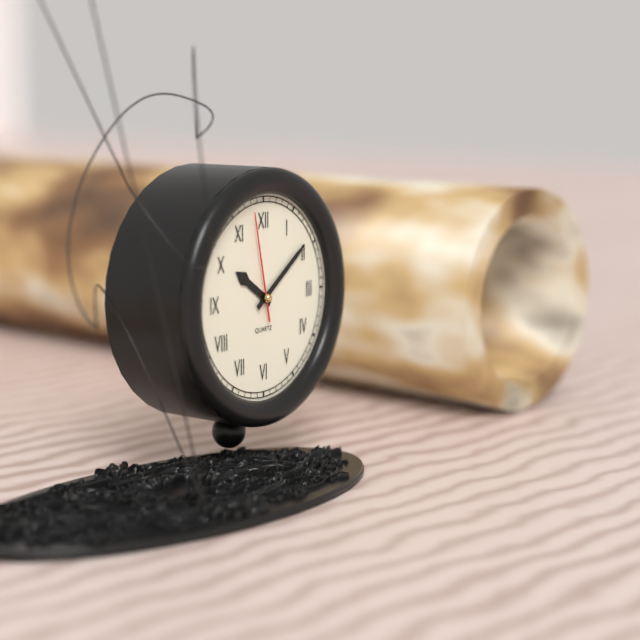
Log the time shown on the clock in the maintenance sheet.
10:09:58
